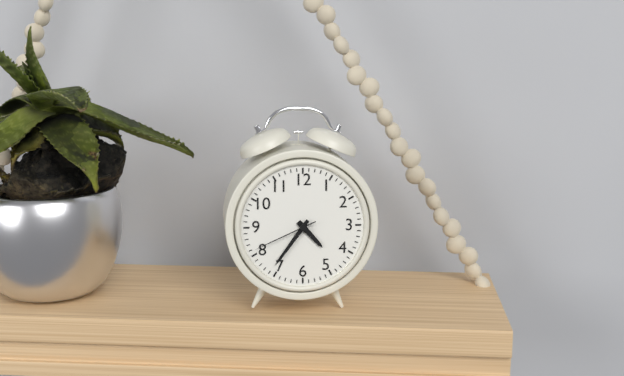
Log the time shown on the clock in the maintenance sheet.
4:36:41
